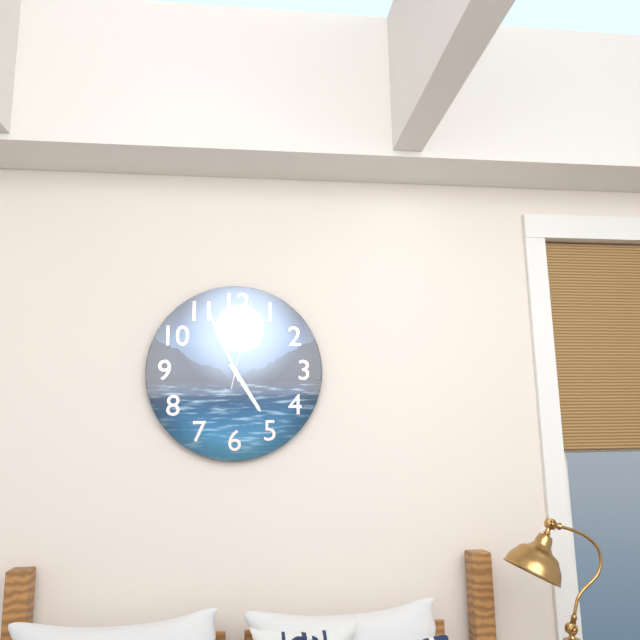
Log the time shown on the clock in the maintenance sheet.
4:56:02
